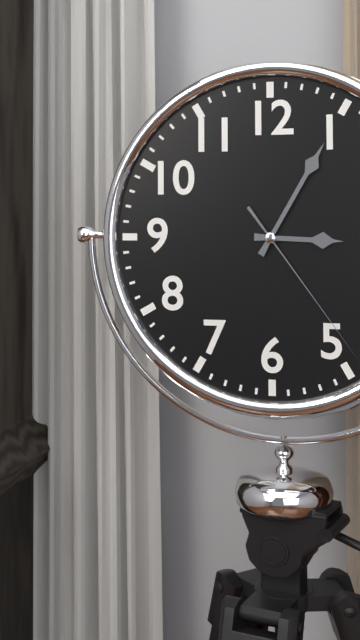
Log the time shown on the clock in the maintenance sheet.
3:05
